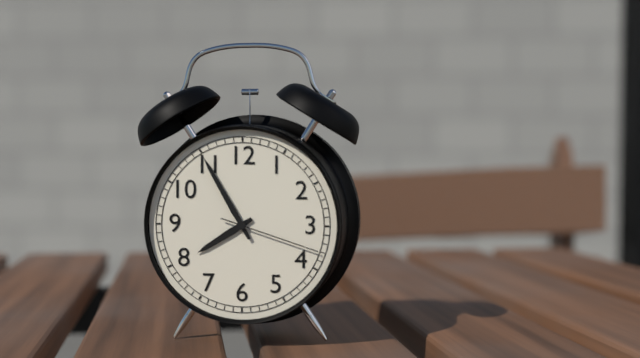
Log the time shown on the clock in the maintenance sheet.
7:55:18
